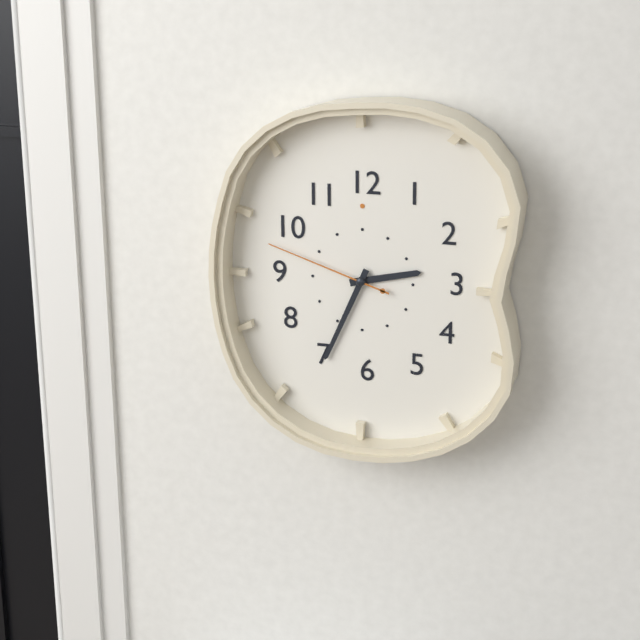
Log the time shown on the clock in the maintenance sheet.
2:34:48
